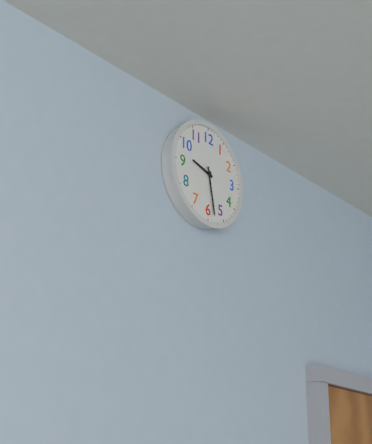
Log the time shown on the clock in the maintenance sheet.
9:28
